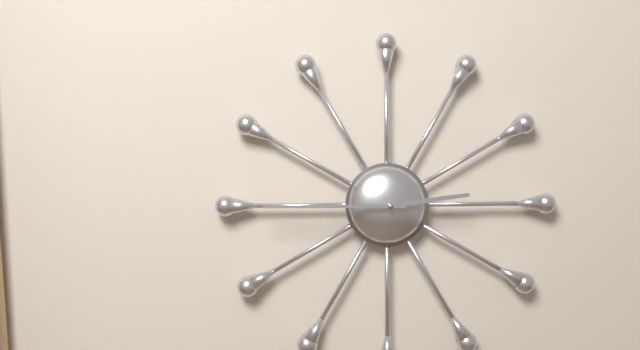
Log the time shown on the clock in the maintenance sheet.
2:45
